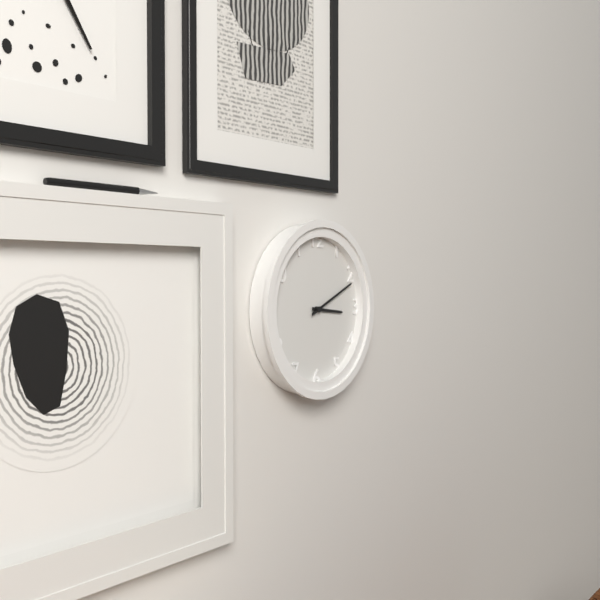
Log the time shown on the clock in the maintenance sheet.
3:11
